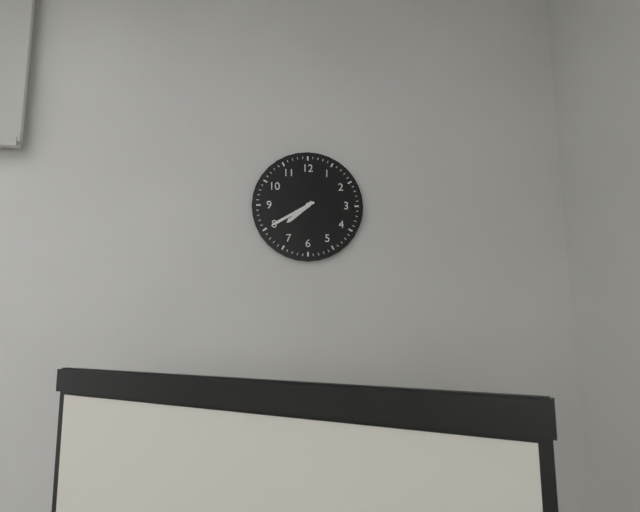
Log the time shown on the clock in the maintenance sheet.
7:40
